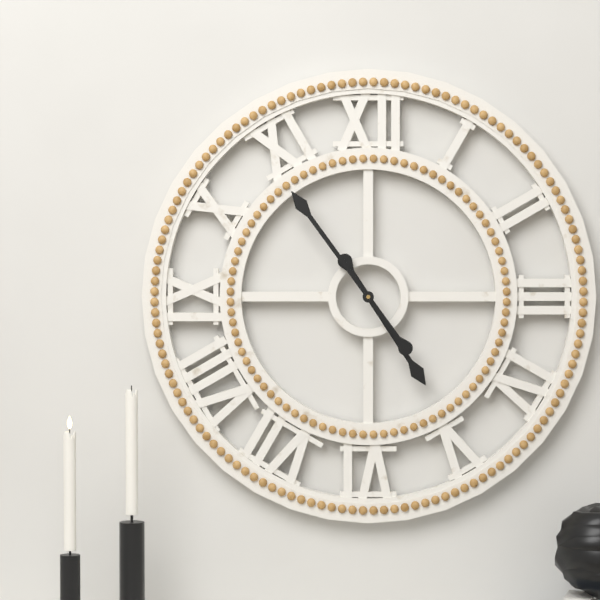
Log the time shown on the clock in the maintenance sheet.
4:54
